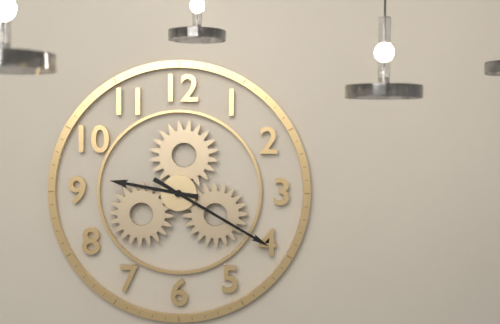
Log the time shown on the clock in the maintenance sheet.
9:20
